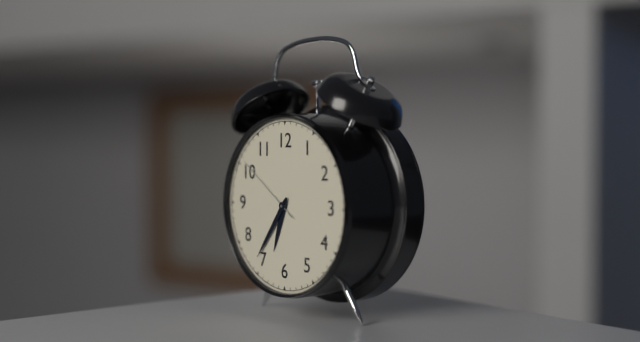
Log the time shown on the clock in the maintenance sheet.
6:36:51
